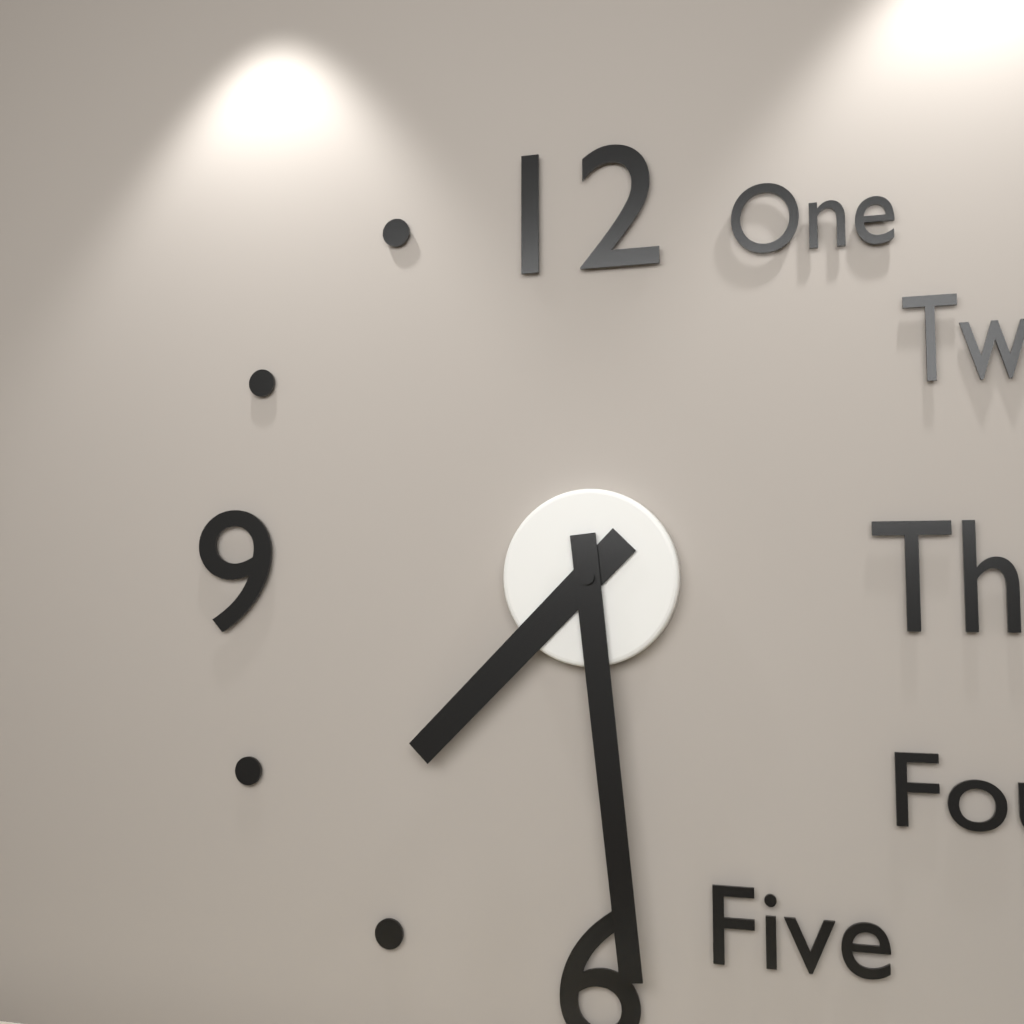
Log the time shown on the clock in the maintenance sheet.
7:29
